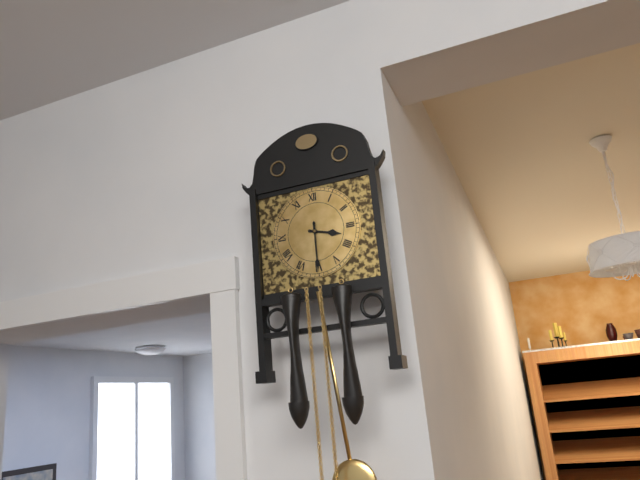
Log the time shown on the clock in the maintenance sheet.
3:30
